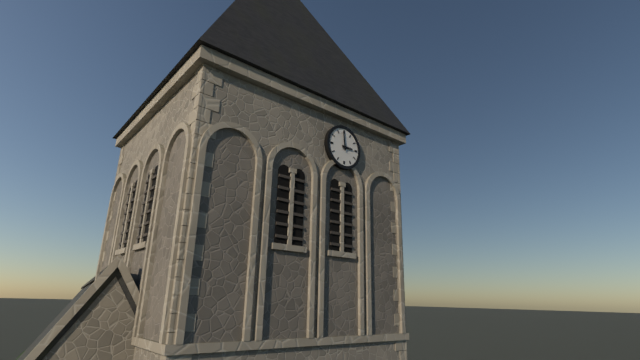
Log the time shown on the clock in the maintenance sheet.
2:59
